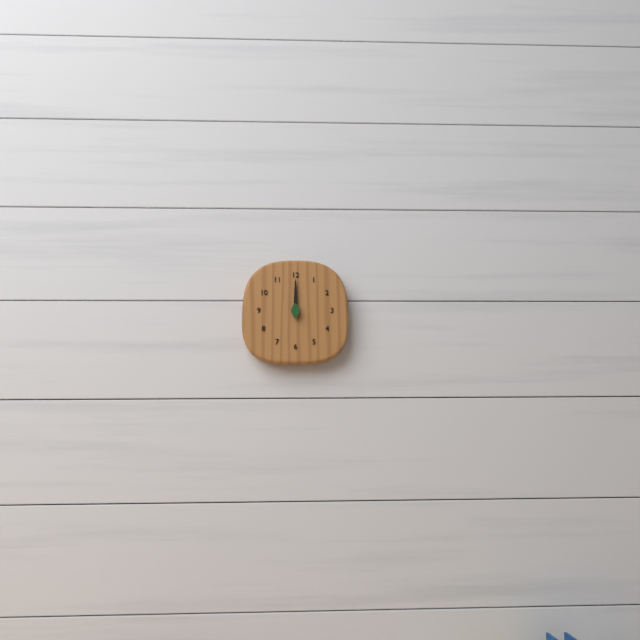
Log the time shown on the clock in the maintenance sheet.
12:00
